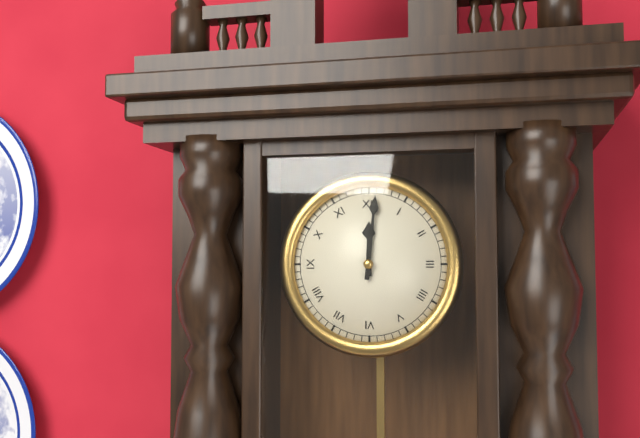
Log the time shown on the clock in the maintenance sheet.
12:01
